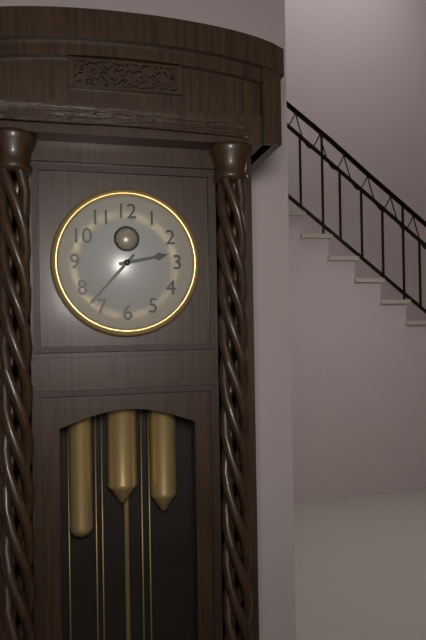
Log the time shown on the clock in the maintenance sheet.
2:37
